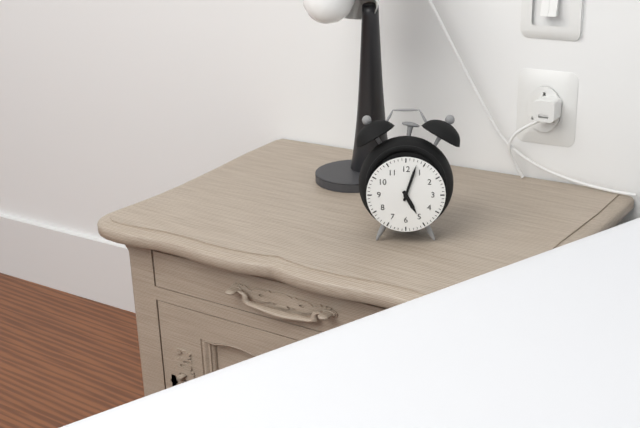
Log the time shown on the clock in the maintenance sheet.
5:03
